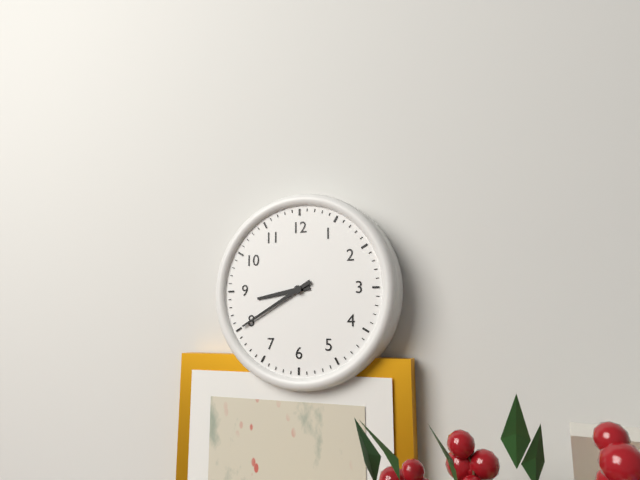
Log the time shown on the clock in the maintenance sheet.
8:40
